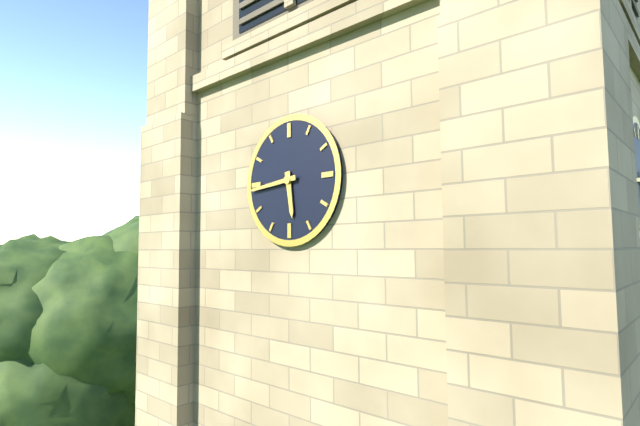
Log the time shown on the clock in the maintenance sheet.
5:44
